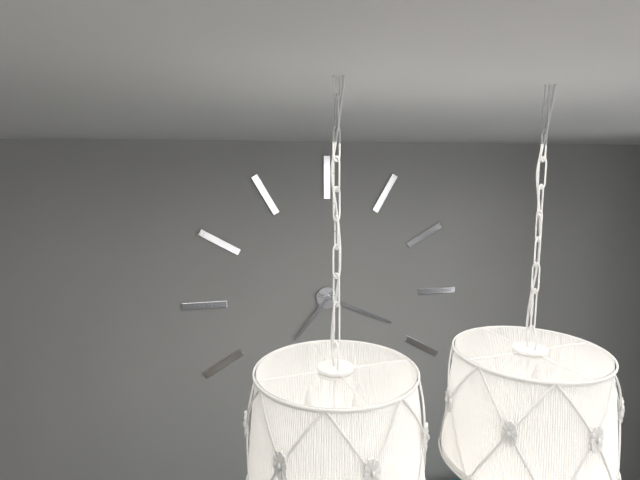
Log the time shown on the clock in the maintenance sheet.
7:19
